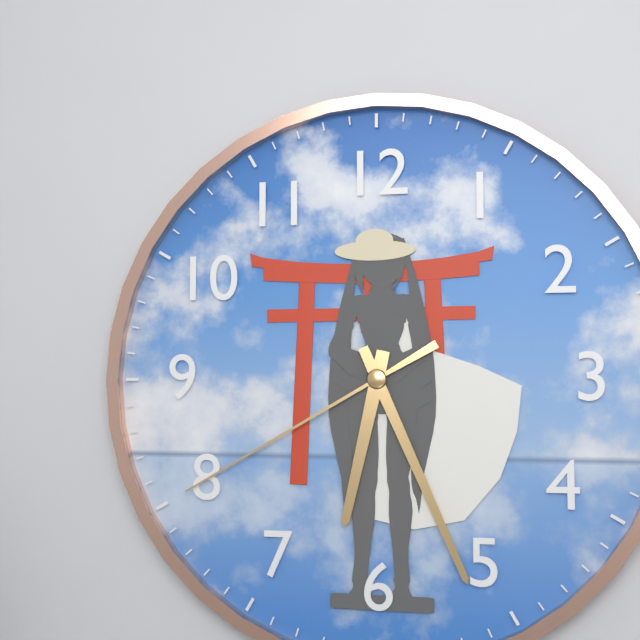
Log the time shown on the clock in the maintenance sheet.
6:26:40
